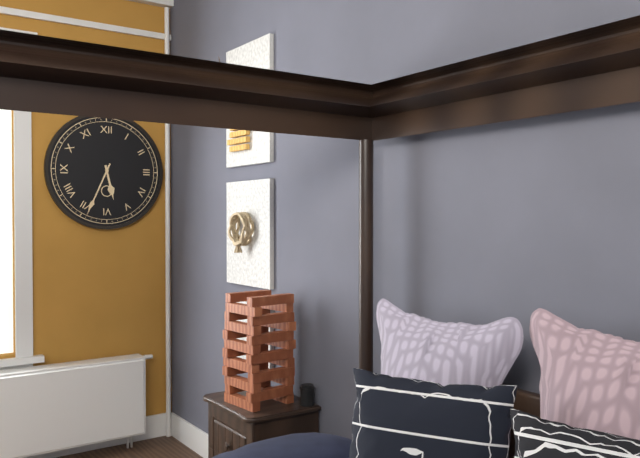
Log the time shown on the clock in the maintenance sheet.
5:34
